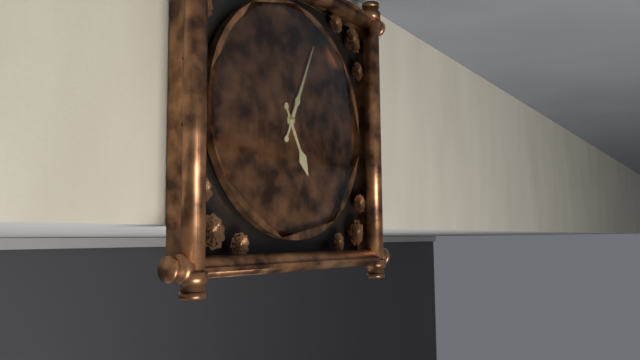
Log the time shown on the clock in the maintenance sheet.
5:04
